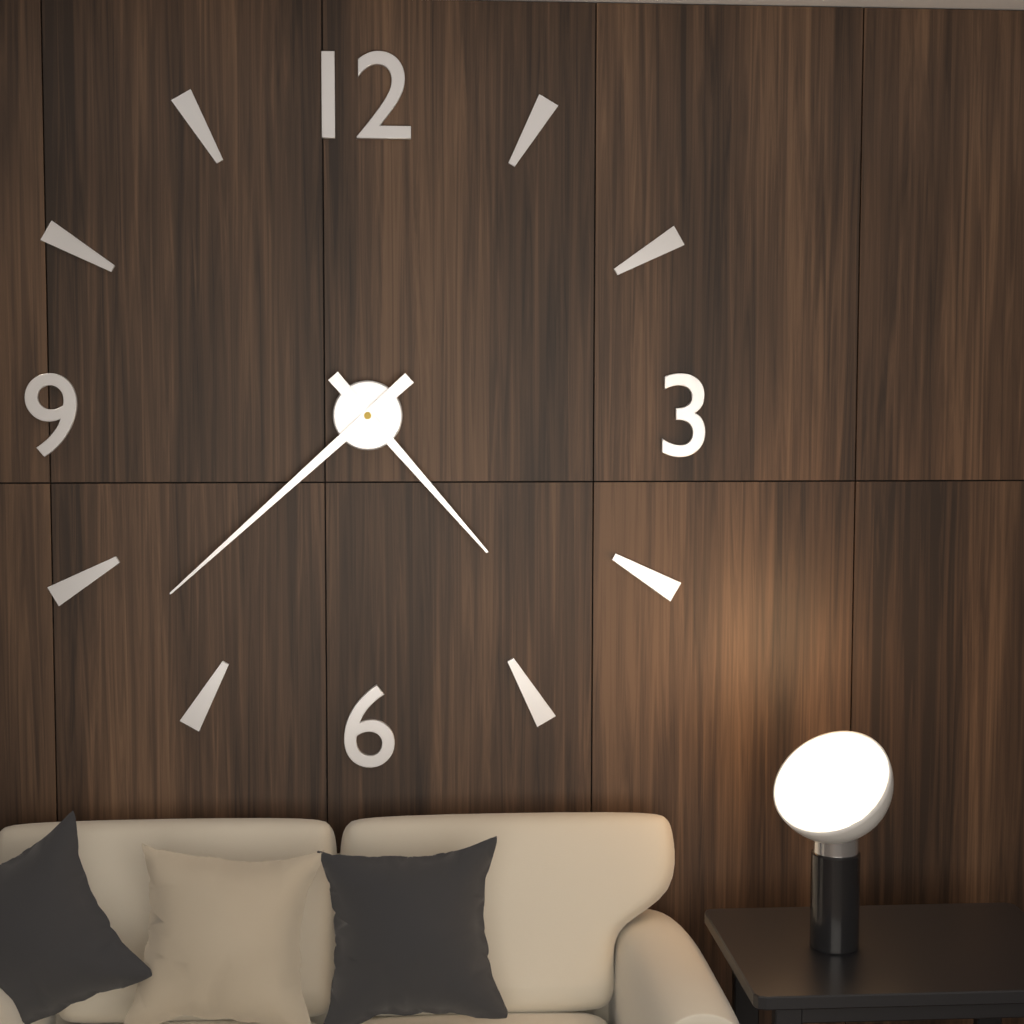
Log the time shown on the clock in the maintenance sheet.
4:38
